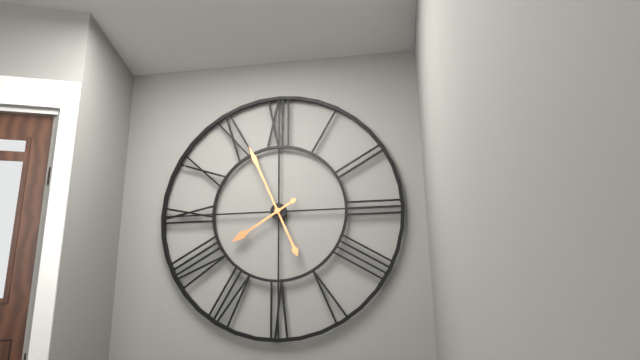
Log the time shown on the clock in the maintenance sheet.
7:56
